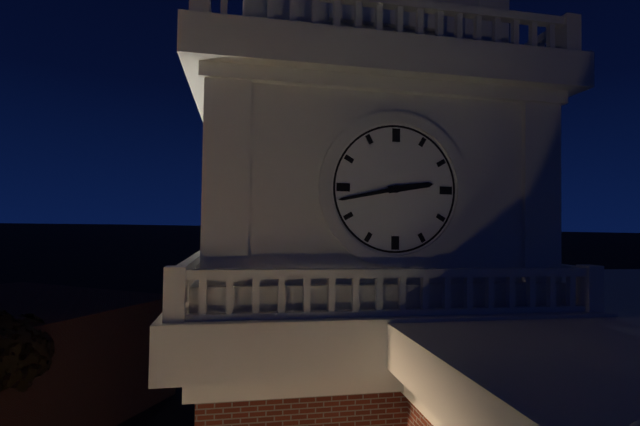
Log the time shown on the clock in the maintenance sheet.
2:43
